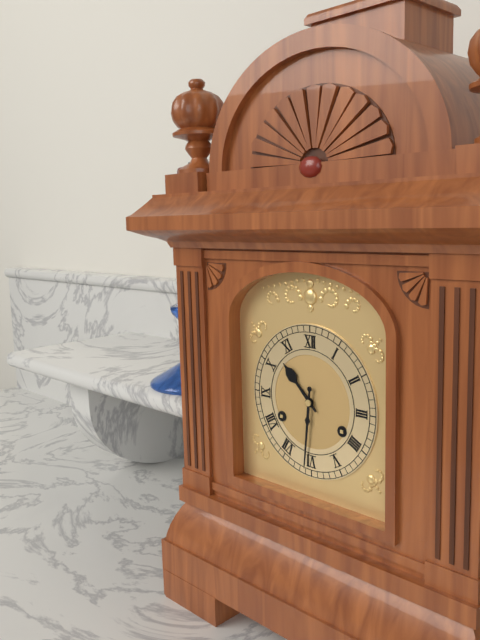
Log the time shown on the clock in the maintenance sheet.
10:31
